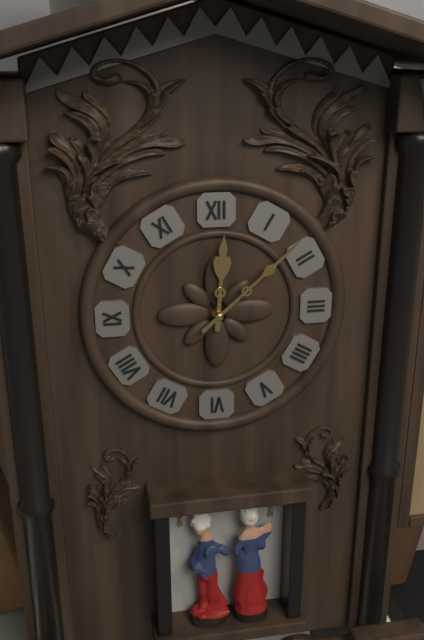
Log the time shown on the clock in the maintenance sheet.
12:08
